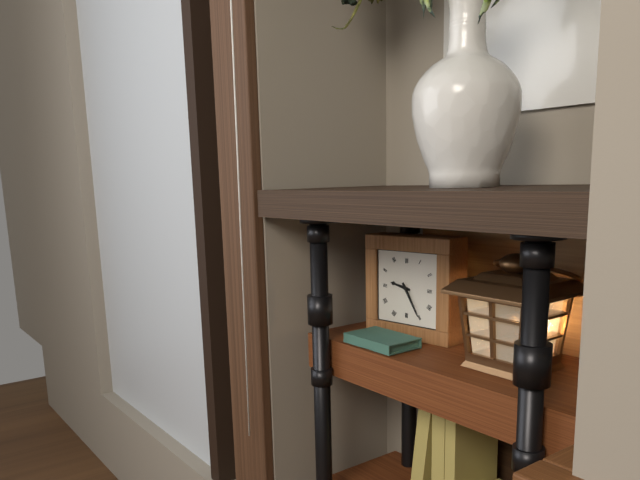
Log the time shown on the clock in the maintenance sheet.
9:25
